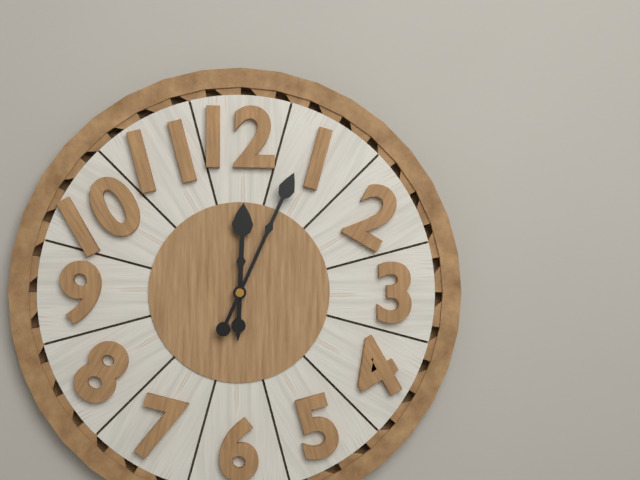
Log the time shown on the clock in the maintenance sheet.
12:04
